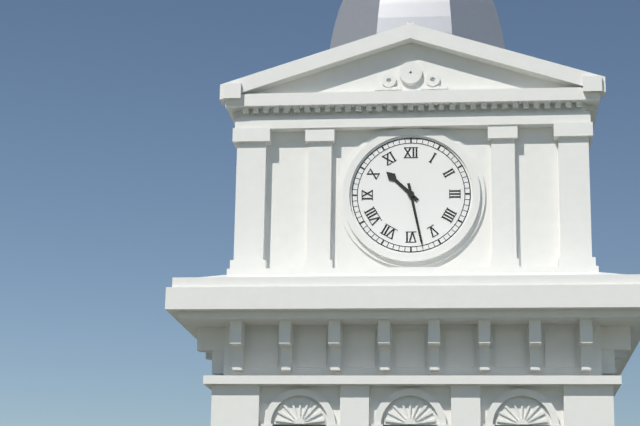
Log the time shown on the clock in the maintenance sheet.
10:28
